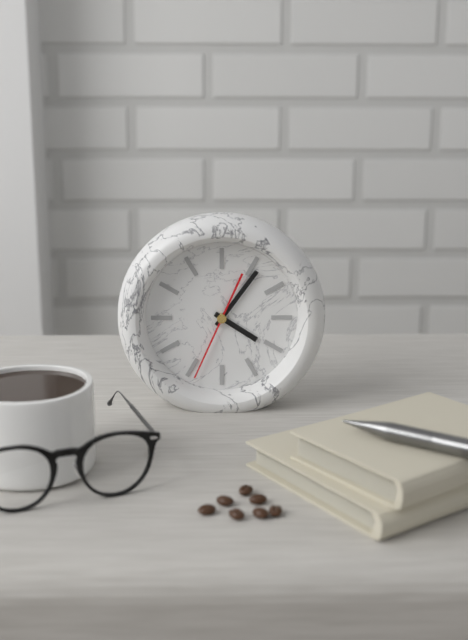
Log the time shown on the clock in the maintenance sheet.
4:06:34
